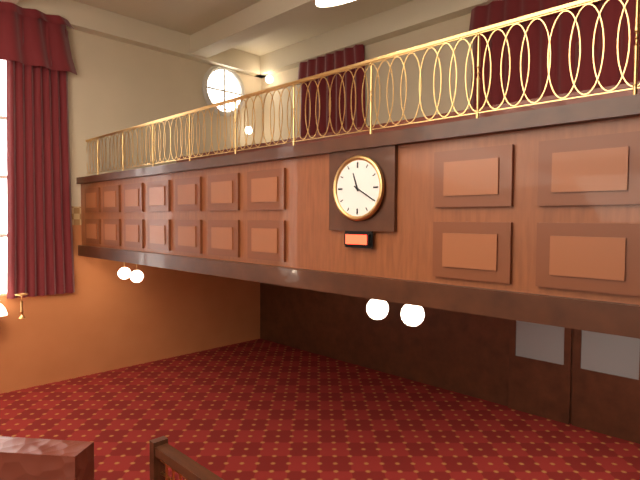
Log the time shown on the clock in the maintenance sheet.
11:20
